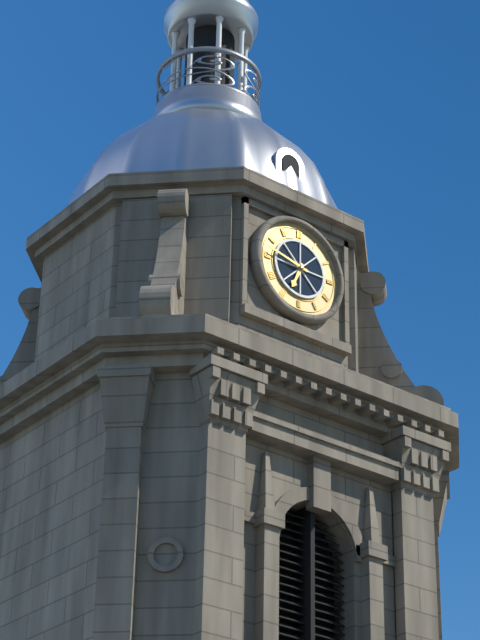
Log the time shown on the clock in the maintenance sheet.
6:47
